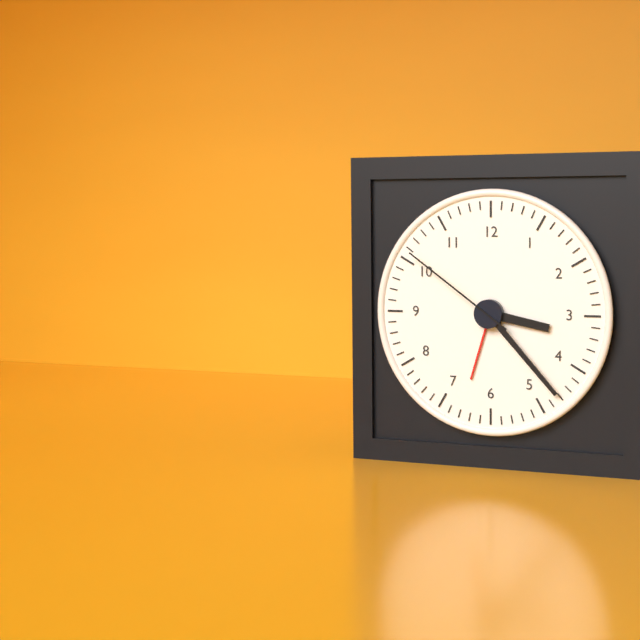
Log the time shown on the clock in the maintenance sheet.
3:23:51
